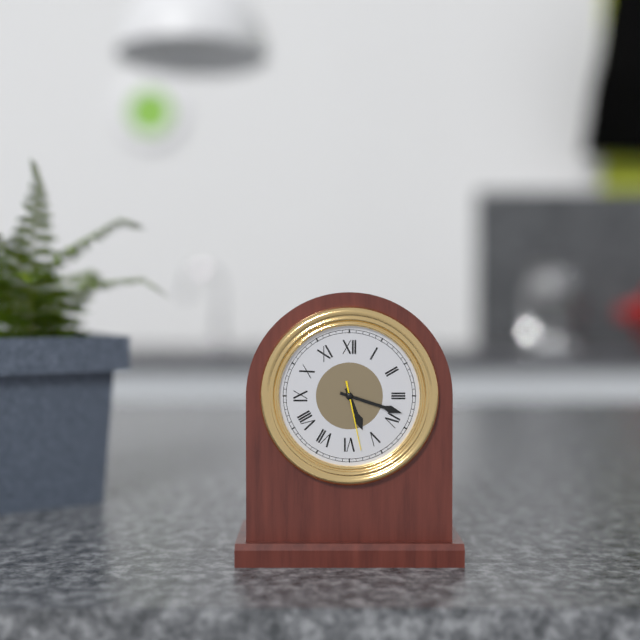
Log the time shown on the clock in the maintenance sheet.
5:18:28
